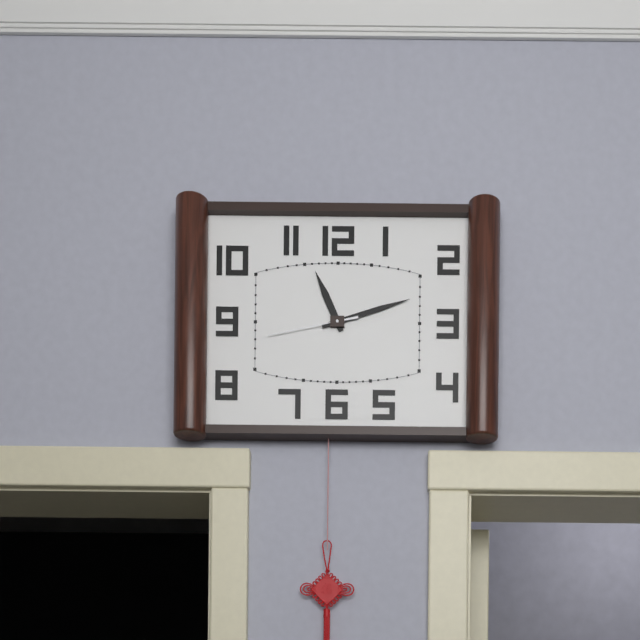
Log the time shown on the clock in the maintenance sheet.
11:12:43
